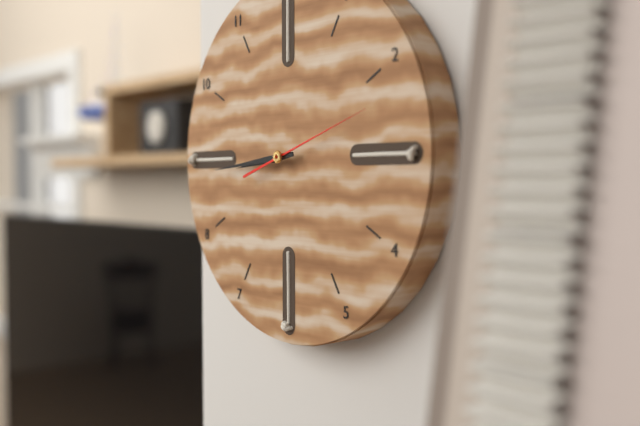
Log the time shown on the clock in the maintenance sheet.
8:44:12
